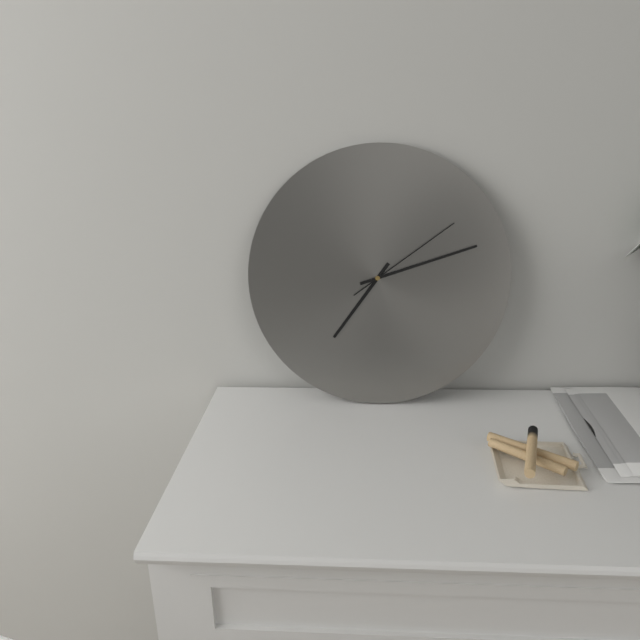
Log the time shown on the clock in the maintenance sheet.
7:12:09
